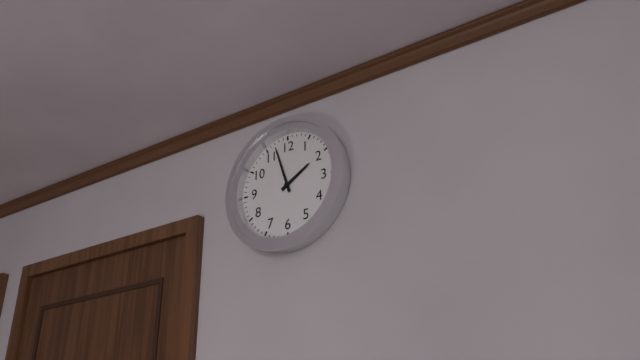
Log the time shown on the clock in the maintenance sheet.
1:57
